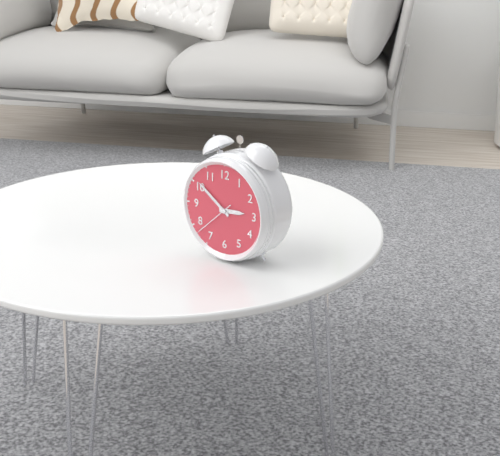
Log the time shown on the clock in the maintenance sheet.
2:51
